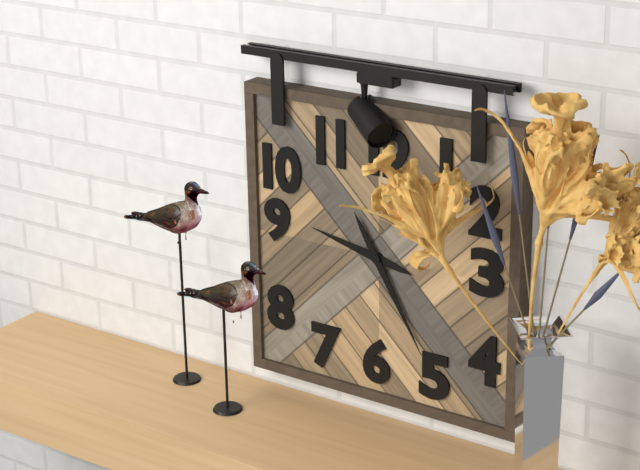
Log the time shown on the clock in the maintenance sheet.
9:25
